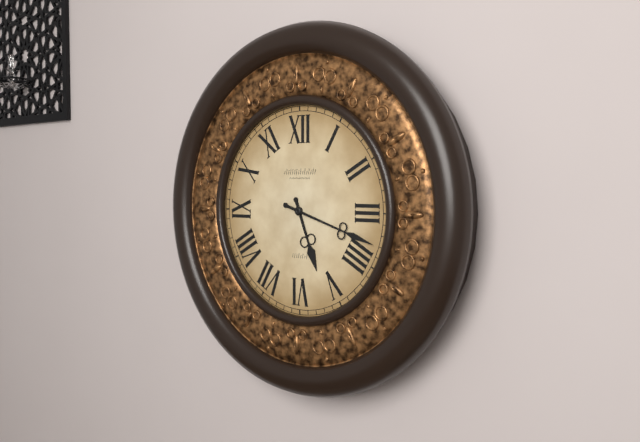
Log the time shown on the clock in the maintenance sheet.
5:18
